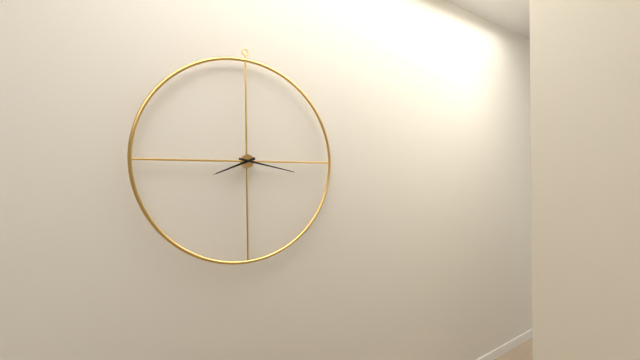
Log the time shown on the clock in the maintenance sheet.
8:17
